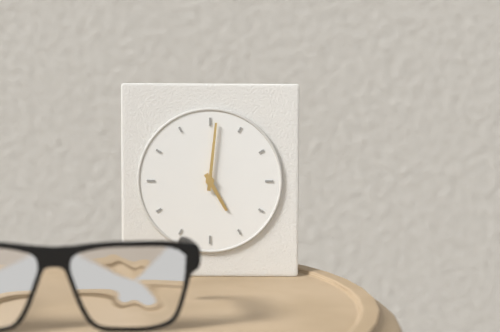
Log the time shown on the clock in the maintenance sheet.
5:01
